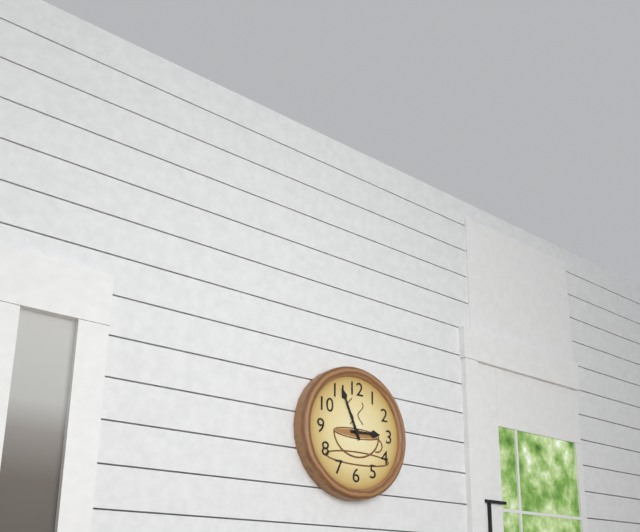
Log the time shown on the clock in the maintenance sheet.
2:56
